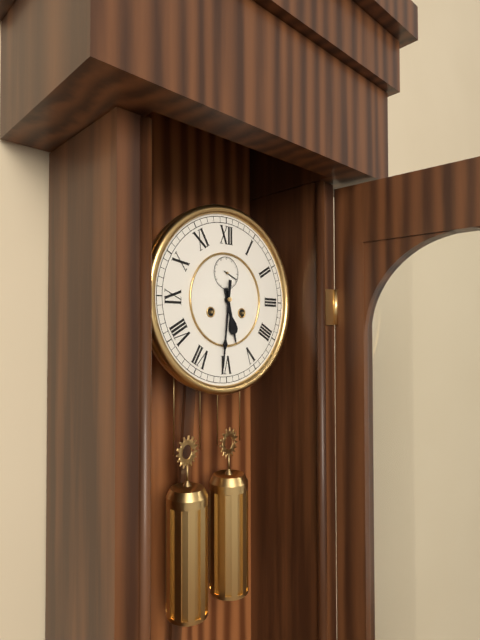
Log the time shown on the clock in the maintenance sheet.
5:31
